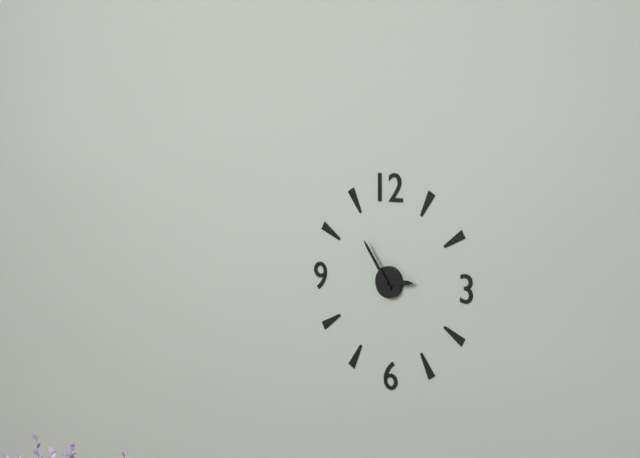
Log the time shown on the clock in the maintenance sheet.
2:54
